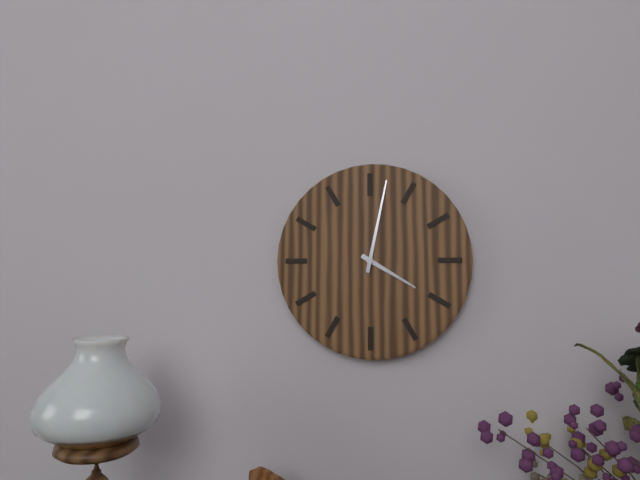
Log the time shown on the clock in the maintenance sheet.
4:02
